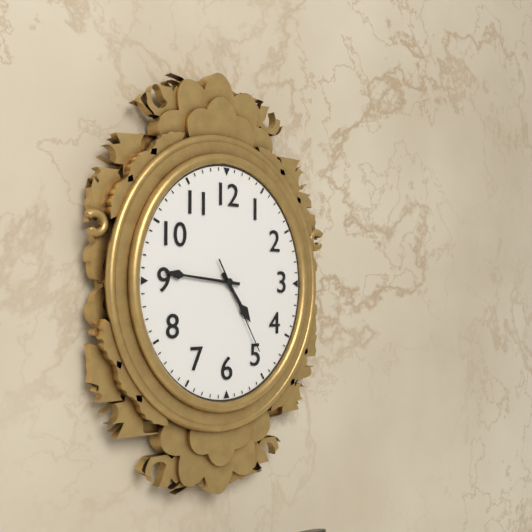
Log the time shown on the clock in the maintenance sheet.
4:46:25
